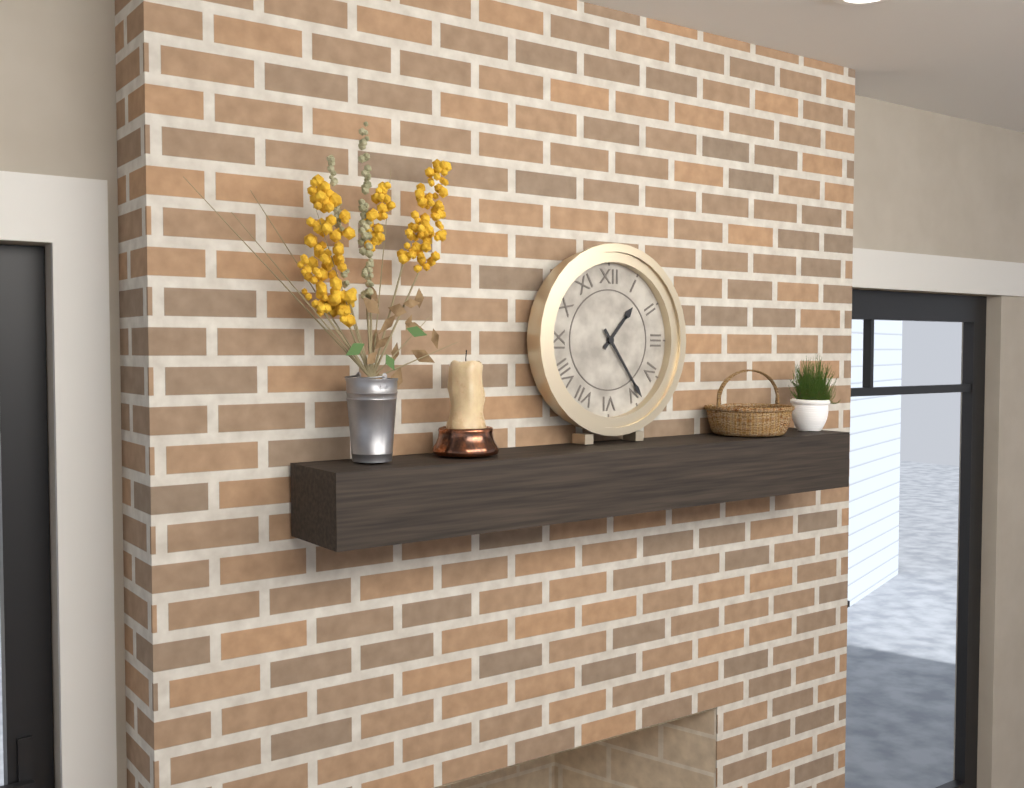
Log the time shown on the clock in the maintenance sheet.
1:24
